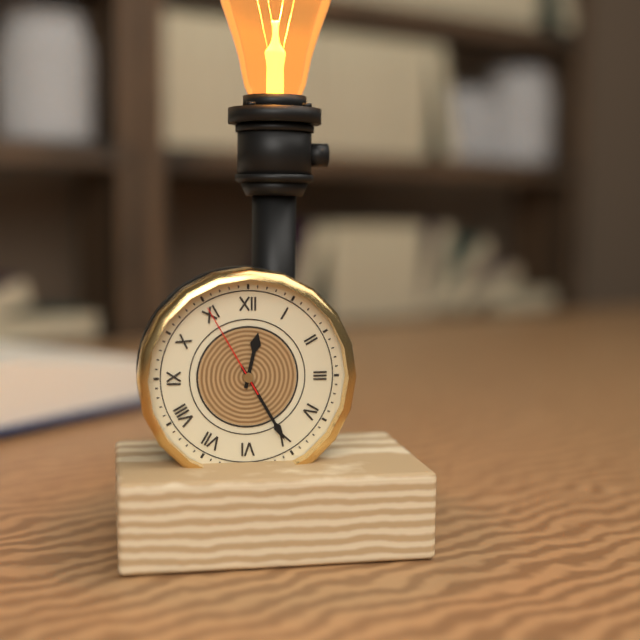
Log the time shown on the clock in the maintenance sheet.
12:25:55
